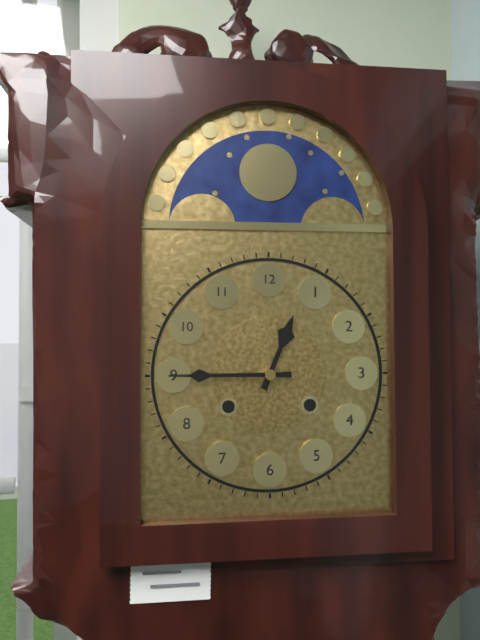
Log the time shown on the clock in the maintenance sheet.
12:45
